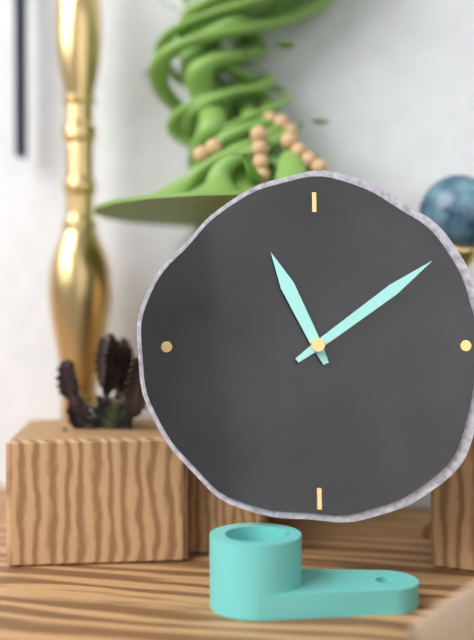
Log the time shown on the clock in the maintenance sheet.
11:09
